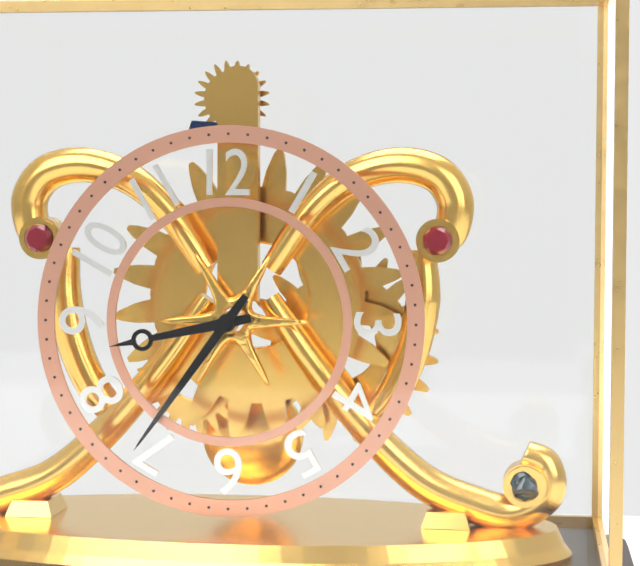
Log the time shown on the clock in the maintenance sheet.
8:36
